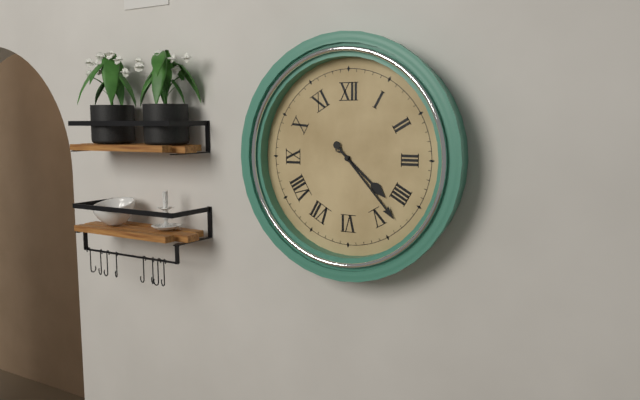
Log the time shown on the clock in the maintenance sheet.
4:23
